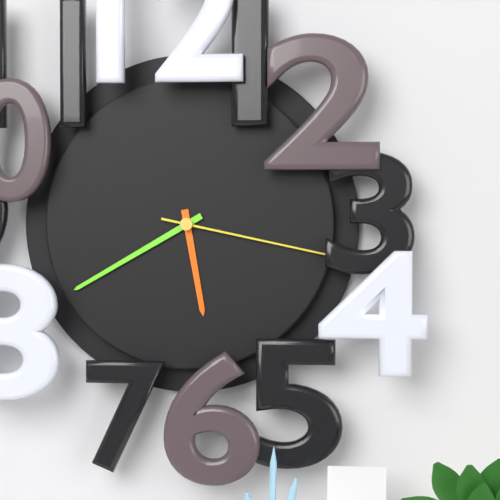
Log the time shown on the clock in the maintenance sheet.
5:40:17
